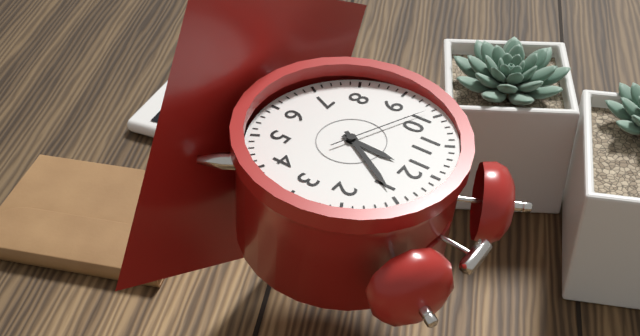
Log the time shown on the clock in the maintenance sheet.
12:05:49
